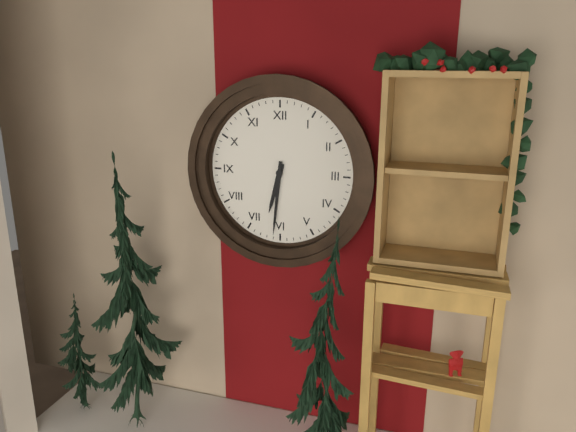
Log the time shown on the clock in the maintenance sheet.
6:31
